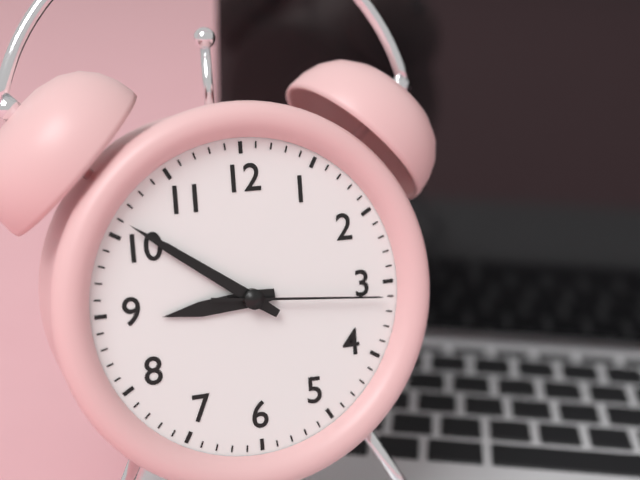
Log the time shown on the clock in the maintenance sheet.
8:51:16
